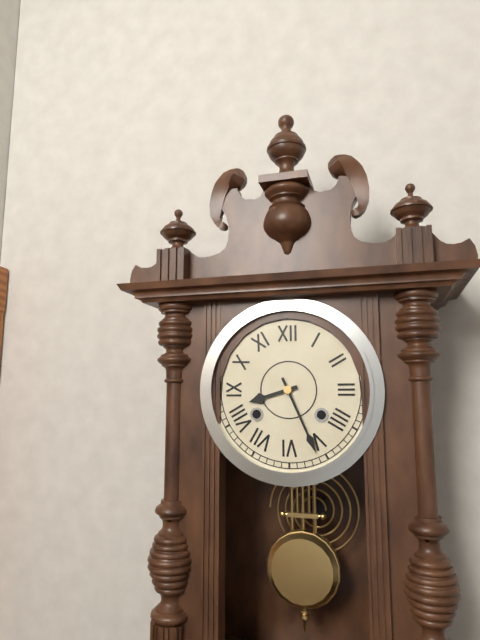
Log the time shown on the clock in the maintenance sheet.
8:26
